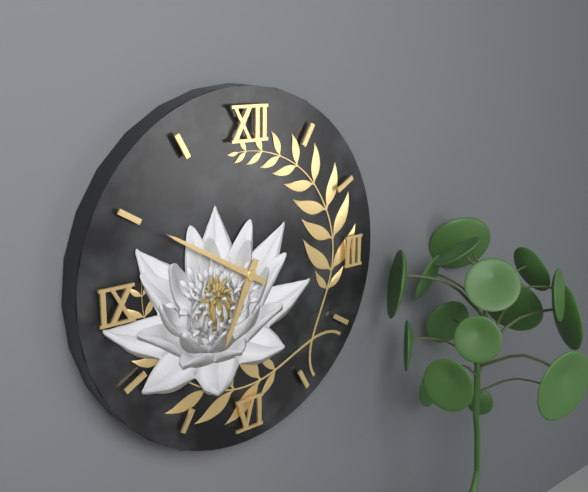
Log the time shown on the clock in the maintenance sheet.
6:50
